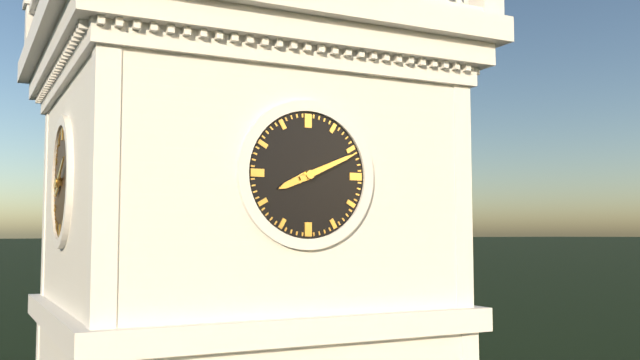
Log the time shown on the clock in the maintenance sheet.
8:11
